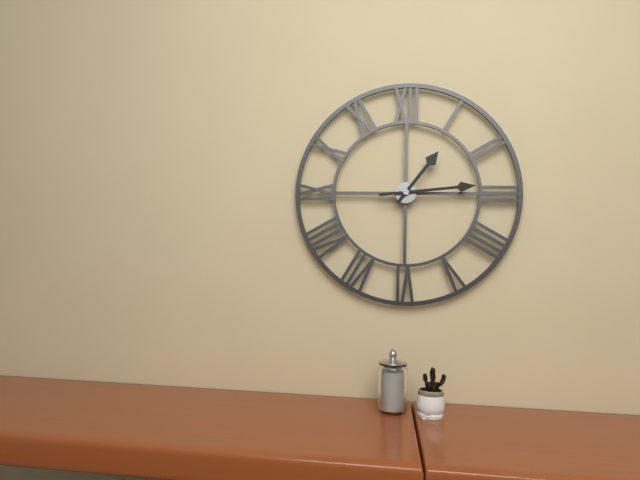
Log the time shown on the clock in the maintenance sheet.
1:14
